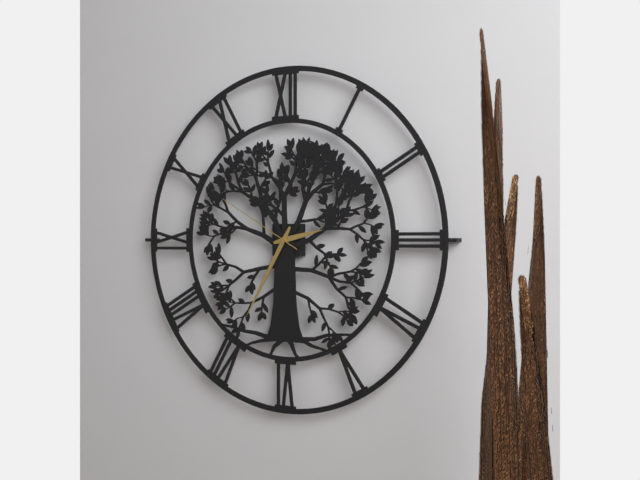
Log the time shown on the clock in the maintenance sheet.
2:35:50
